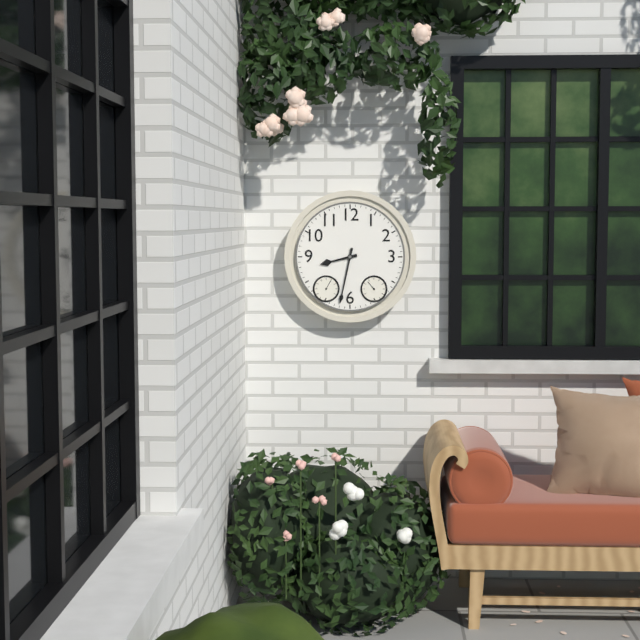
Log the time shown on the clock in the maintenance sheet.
8:32
